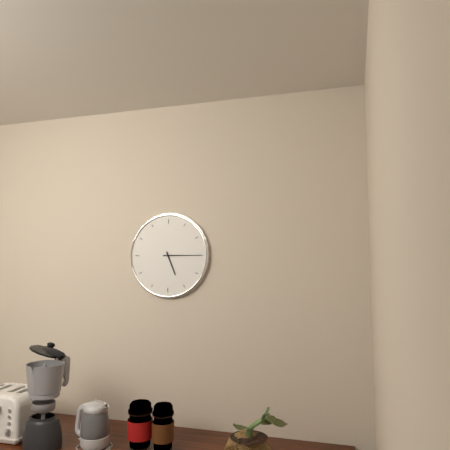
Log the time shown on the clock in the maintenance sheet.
5:15
